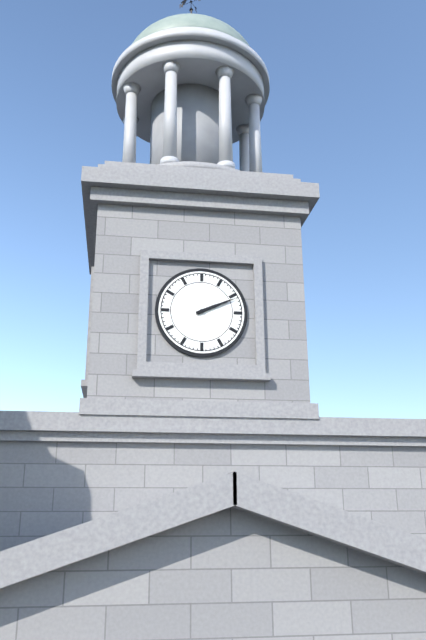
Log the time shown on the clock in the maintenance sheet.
2:11
